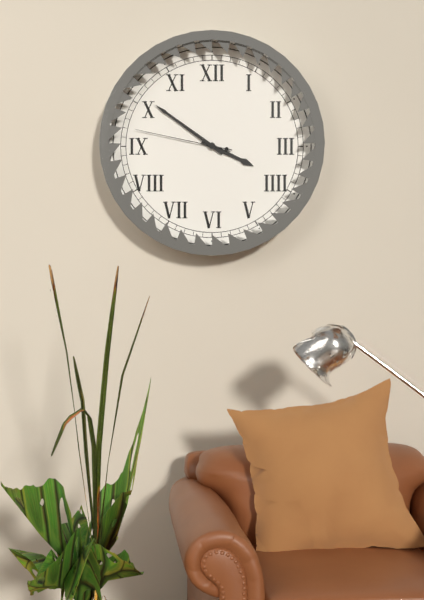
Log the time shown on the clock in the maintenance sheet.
3:51:47
